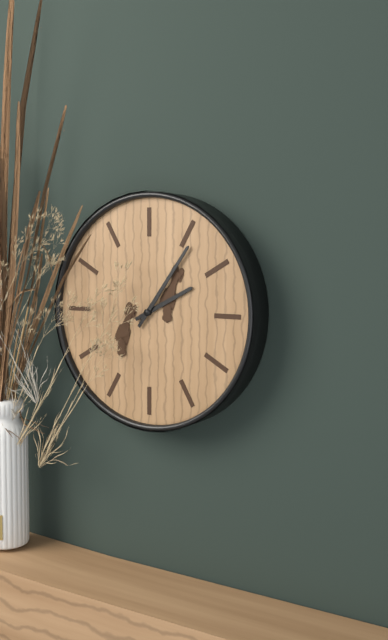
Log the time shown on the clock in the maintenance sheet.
2:06
